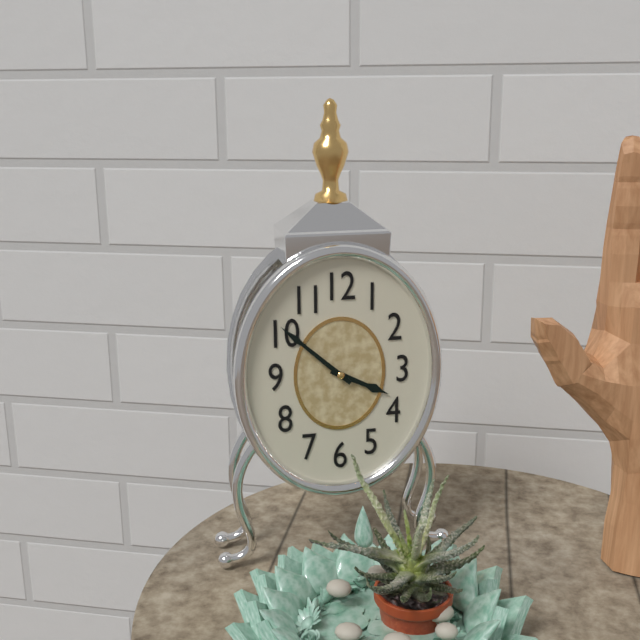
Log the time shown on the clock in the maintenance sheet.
3:52
